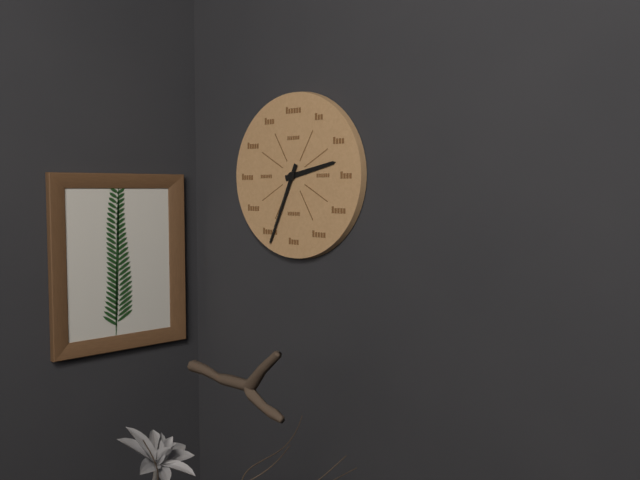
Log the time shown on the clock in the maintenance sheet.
2:34
